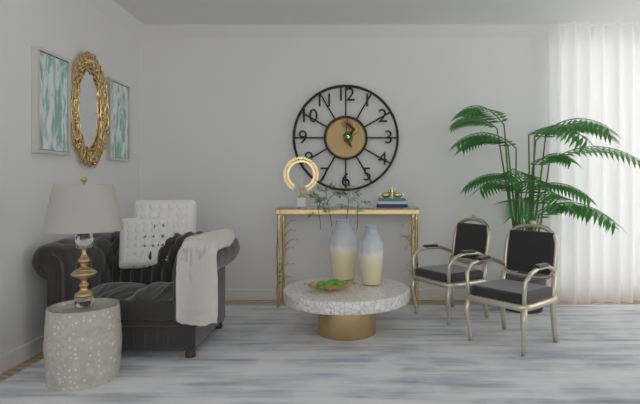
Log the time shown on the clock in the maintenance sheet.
5:01
